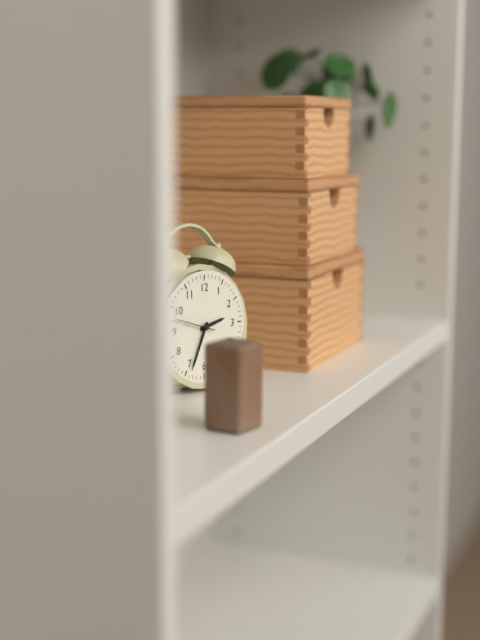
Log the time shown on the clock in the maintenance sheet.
2:34
